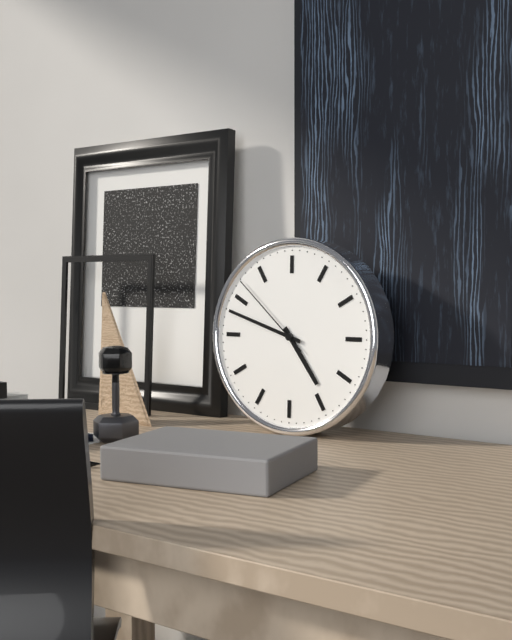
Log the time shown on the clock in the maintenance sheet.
4:48:52
